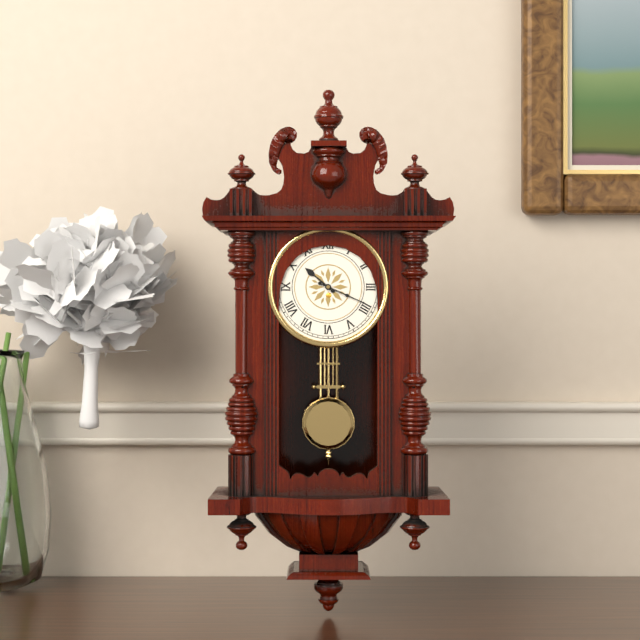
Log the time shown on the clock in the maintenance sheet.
10:19
